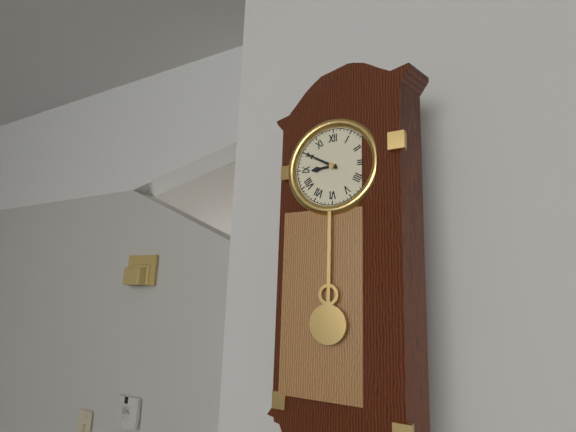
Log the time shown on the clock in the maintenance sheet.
8:50
